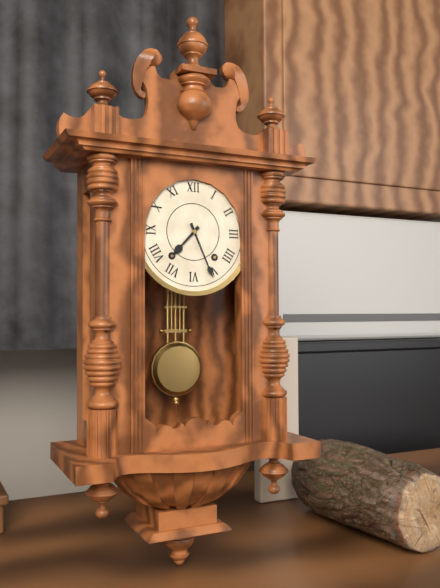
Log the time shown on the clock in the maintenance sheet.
7:26
